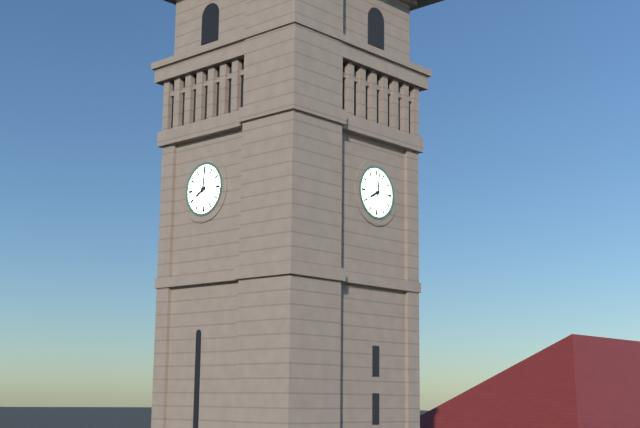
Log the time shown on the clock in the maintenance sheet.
8:01
